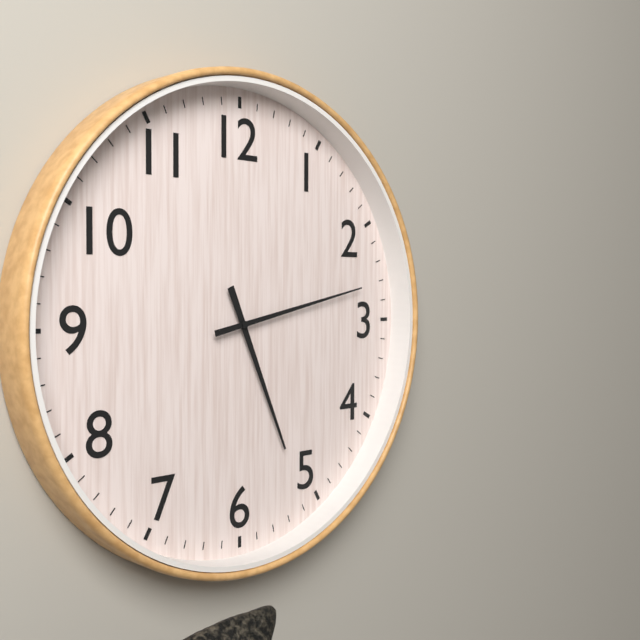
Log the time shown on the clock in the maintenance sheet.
5:13
